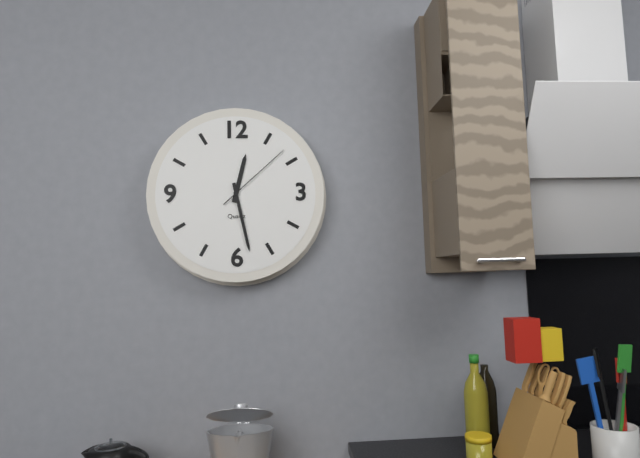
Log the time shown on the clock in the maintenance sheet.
12:28:08
